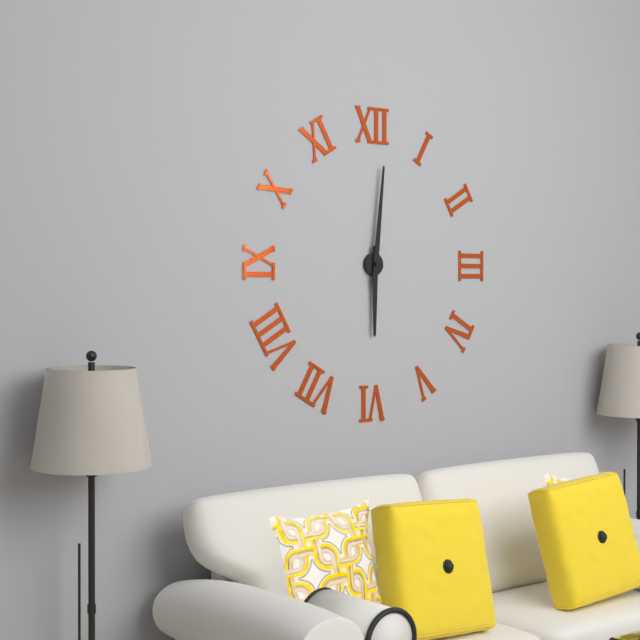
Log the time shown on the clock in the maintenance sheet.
6:01
